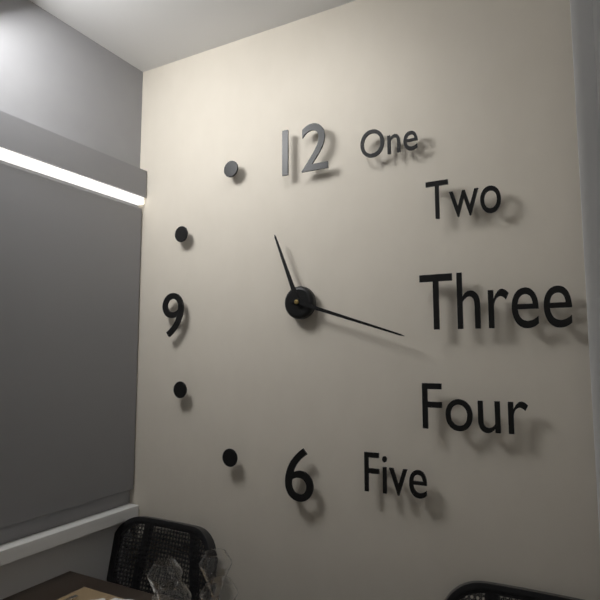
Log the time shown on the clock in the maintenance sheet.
11:18
